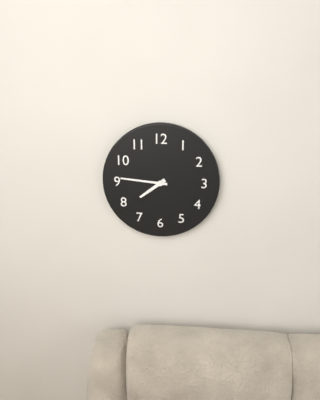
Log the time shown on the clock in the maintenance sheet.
7:46
